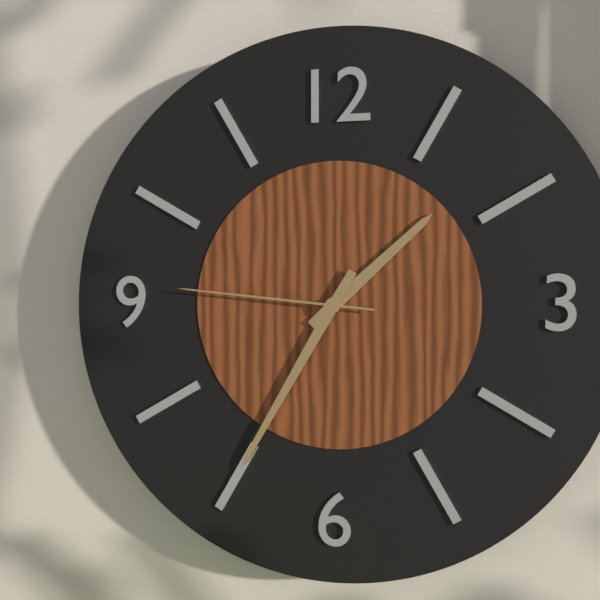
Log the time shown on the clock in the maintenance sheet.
1:35:46
